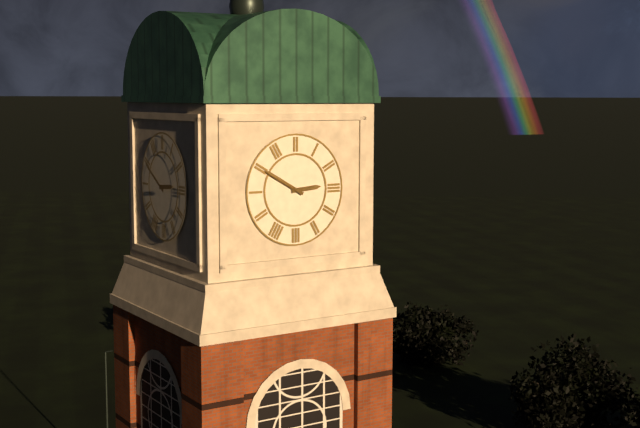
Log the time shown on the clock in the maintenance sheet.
2:50
